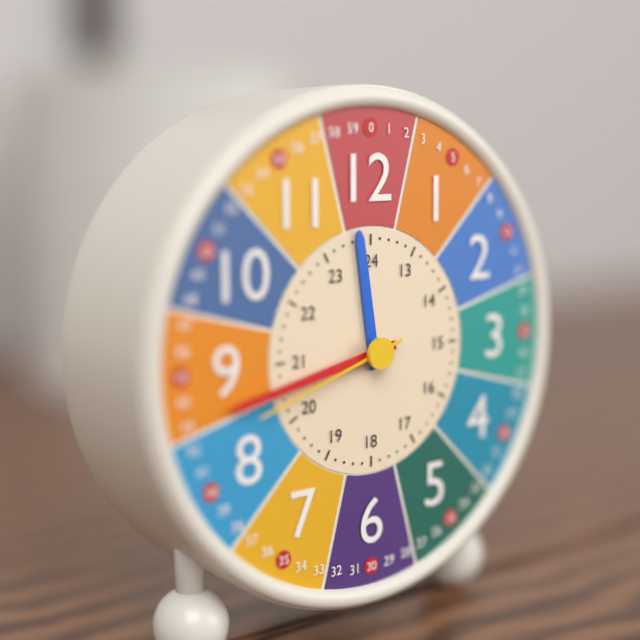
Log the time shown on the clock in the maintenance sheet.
11:43:42
